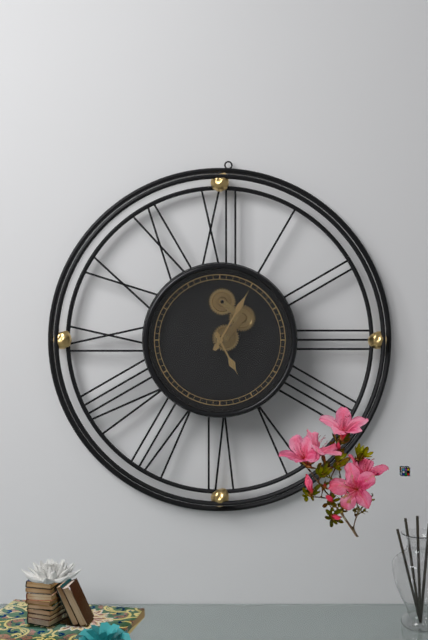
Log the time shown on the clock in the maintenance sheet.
5:05
